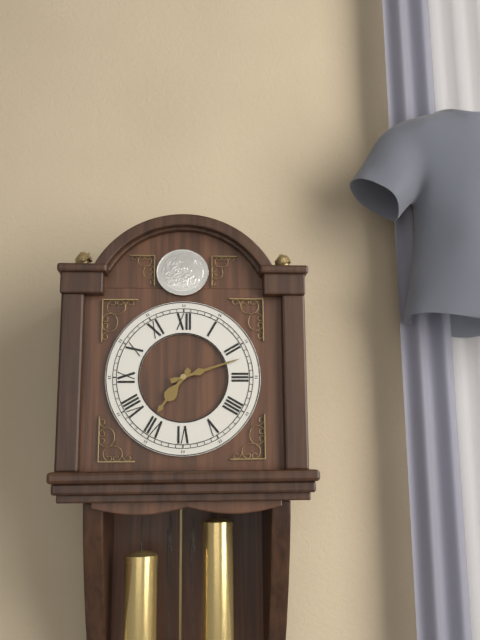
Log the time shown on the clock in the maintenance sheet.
7:12
